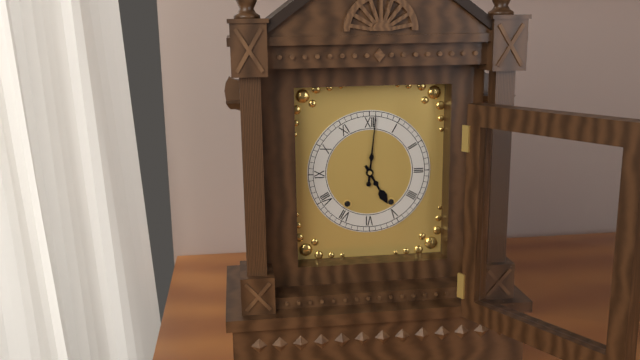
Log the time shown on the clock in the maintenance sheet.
5:01
